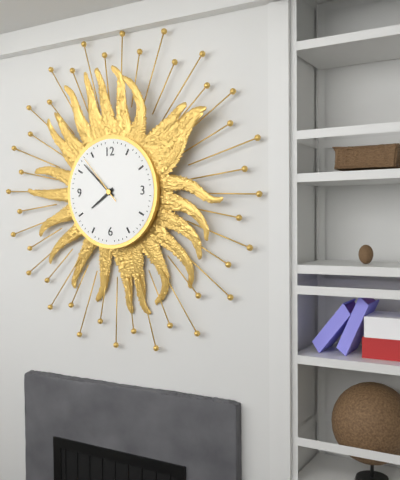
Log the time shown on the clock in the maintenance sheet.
7:52:53
